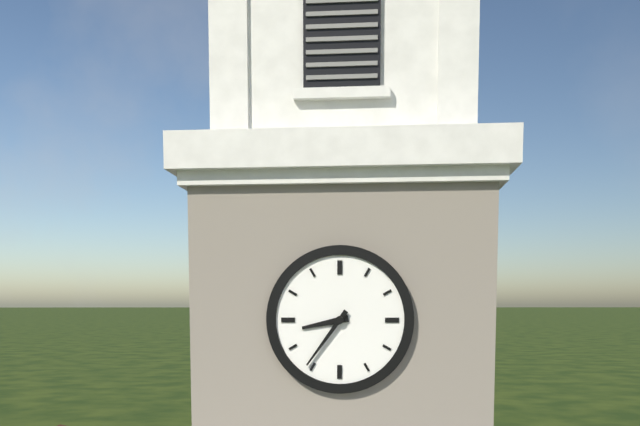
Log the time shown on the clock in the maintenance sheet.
8:36
